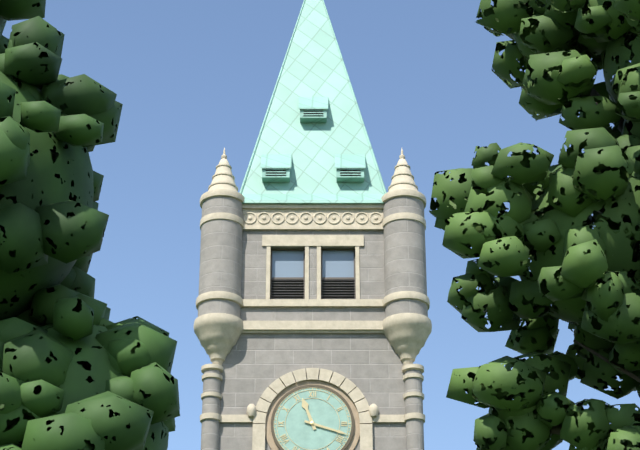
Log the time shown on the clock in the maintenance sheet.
11:18
